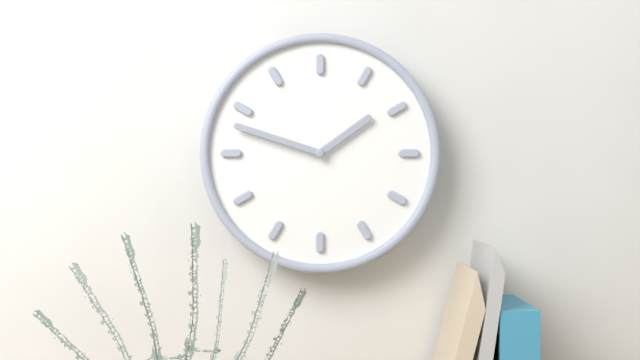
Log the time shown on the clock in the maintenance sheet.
1:48
